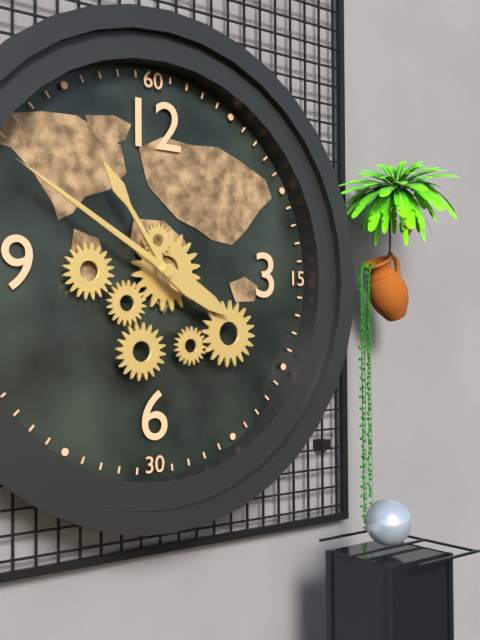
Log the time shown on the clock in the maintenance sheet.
10:50
